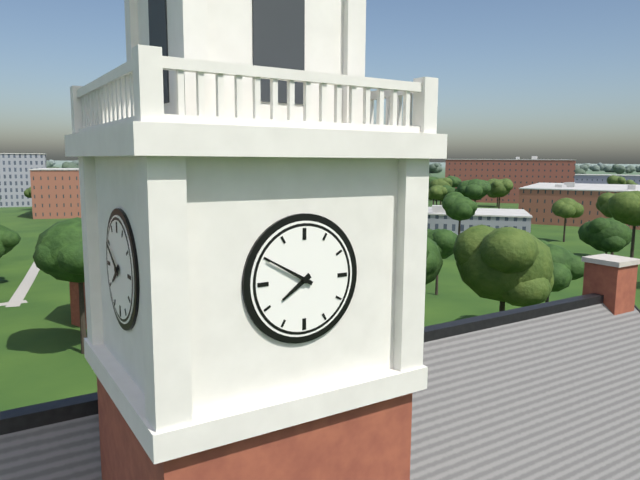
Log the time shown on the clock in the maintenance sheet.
7:50
